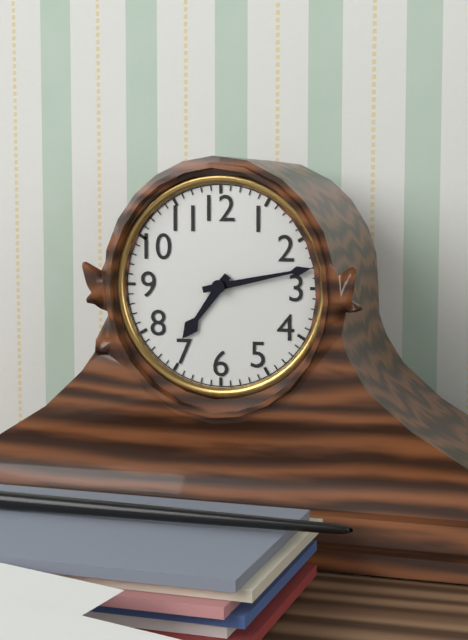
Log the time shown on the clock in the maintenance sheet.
7:13
